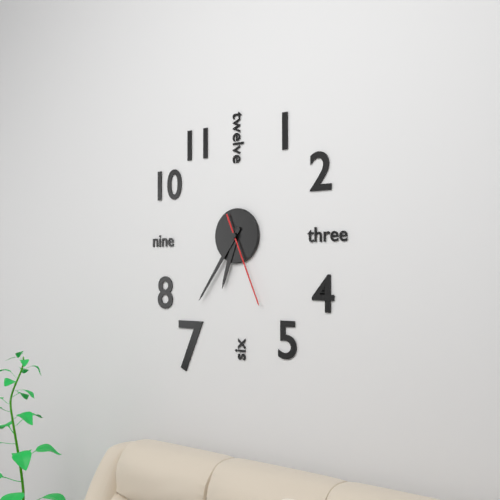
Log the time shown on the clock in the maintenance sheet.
6:36:26
